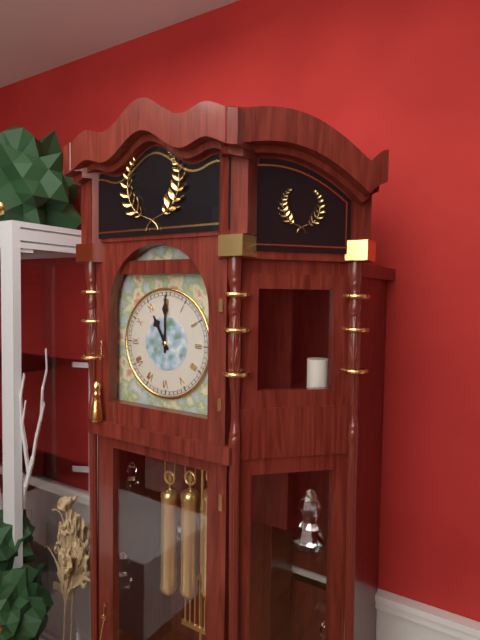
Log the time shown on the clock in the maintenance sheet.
11:00
